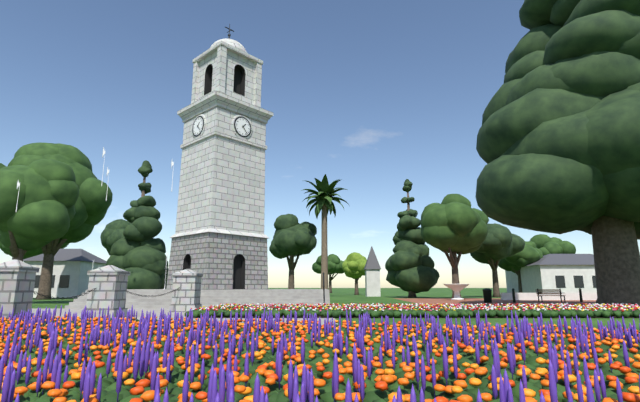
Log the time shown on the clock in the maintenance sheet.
1:23
